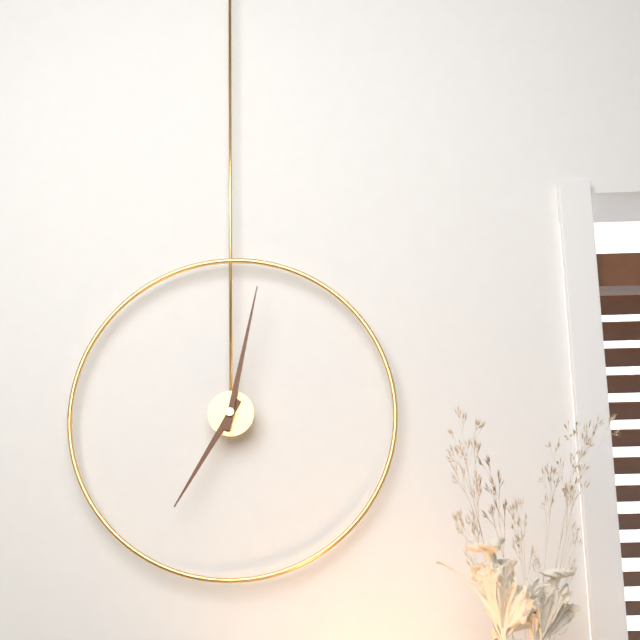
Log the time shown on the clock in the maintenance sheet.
7:02
